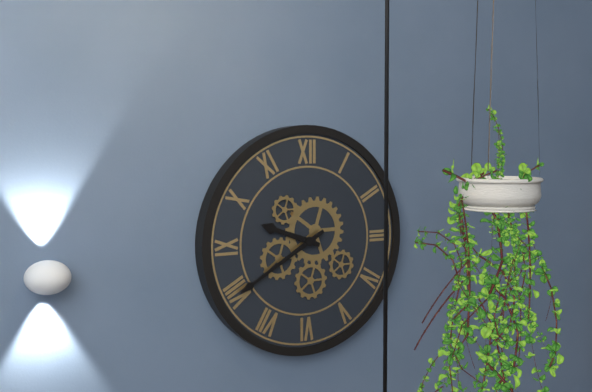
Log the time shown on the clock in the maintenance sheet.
9:40
